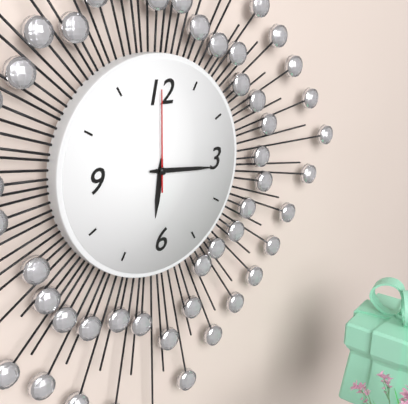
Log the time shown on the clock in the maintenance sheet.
6:16:00
